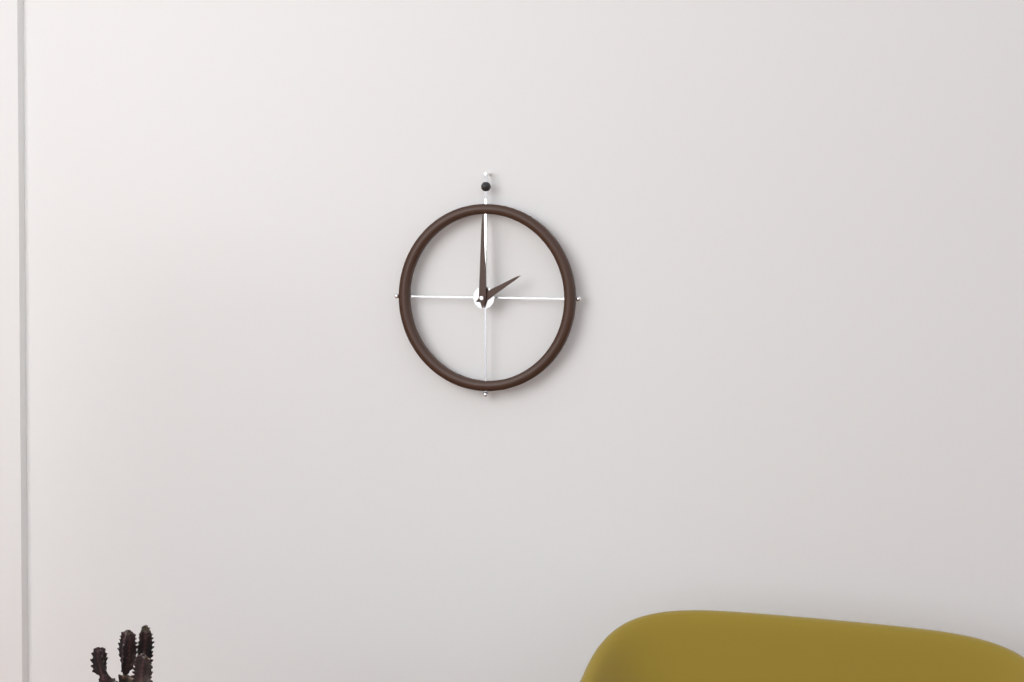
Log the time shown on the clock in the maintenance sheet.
2:00
